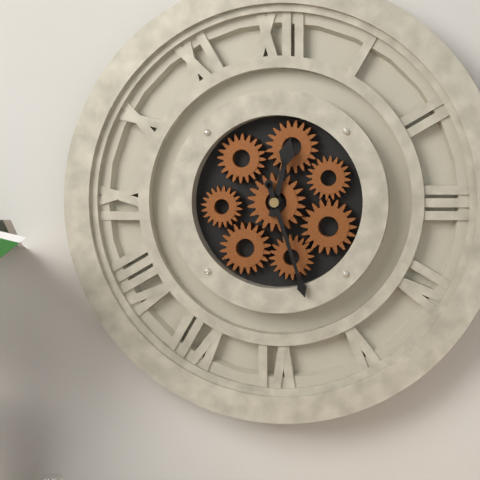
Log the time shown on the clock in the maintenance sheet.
12:27
